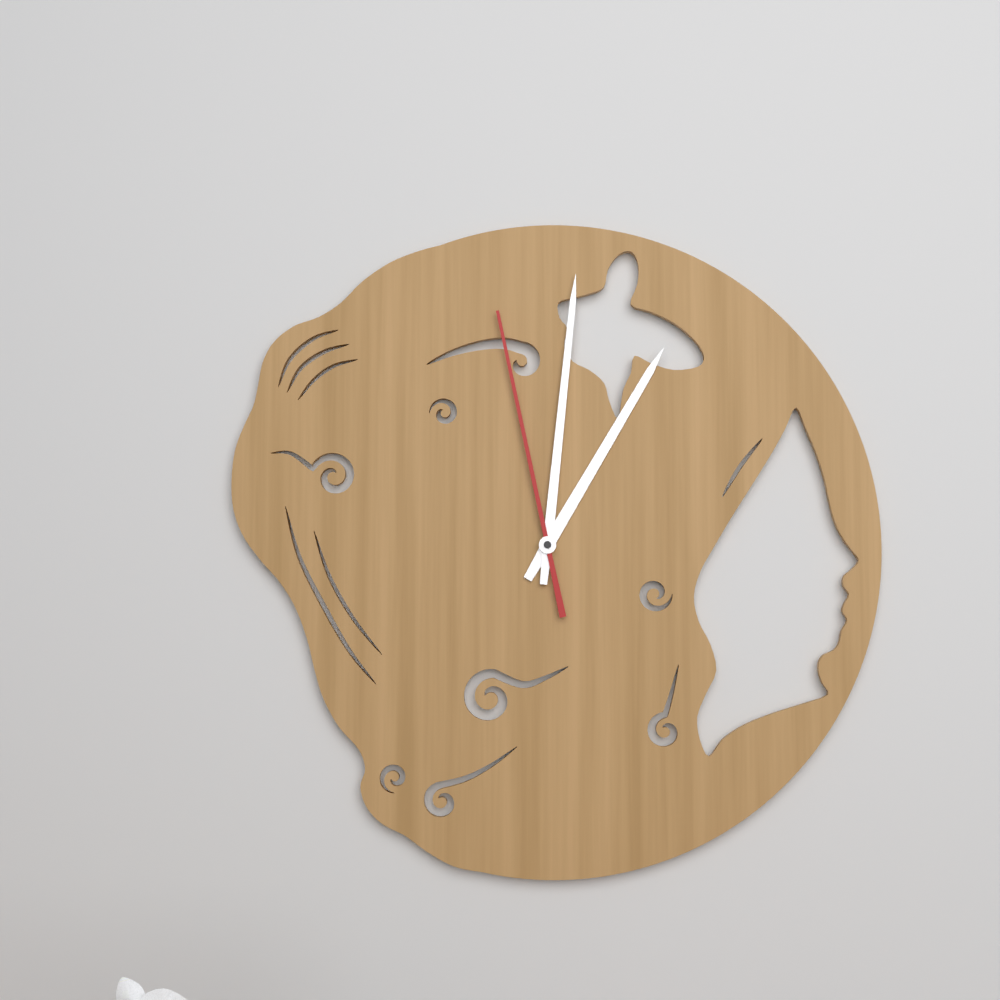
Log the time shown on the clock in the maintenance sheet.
1:01:58
